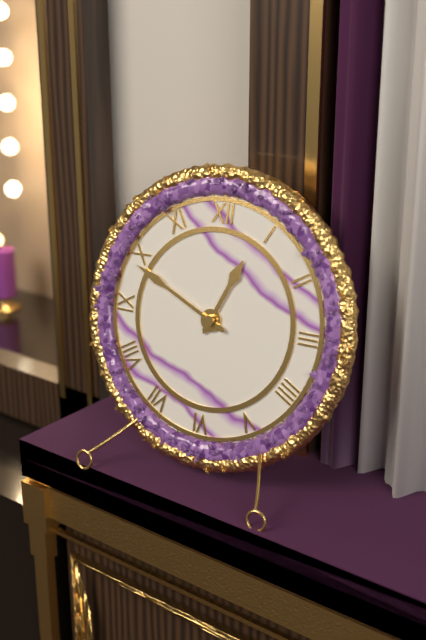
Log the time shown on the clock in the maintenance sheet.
12:49
